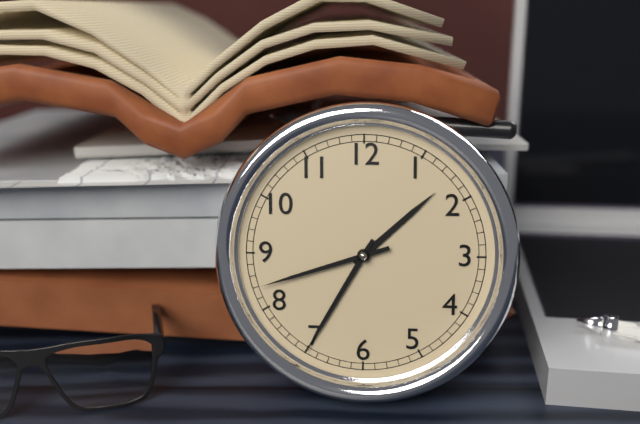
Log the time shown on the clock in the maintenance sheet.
1:35:42
